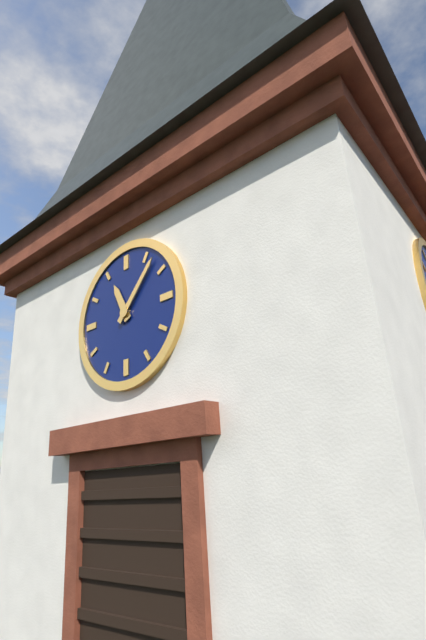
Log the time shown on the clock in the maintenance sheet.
11:07
